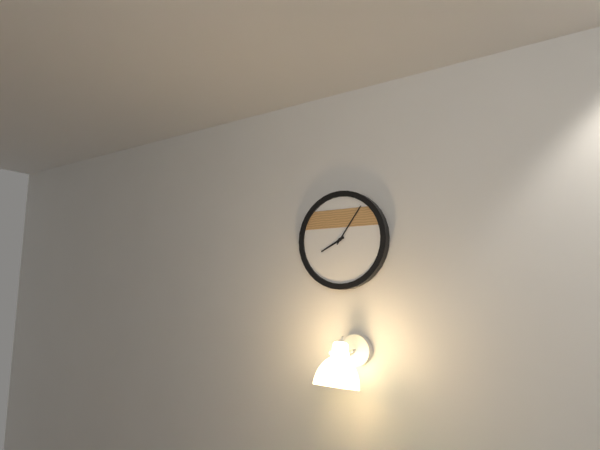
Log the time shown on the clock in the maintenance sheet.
8:06
